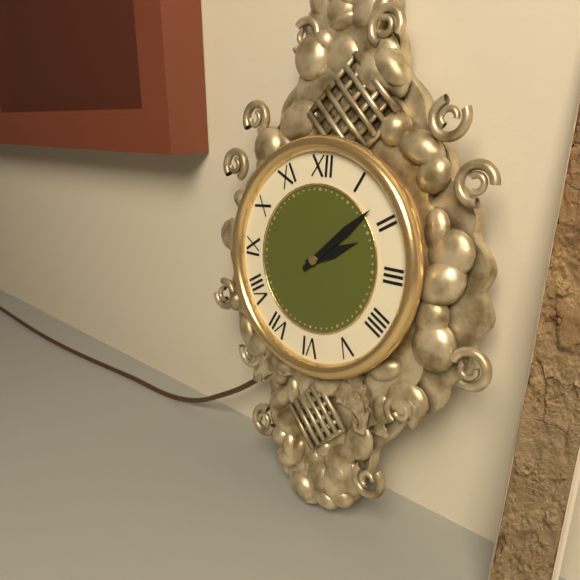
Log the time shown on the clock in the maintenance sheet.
2:08
